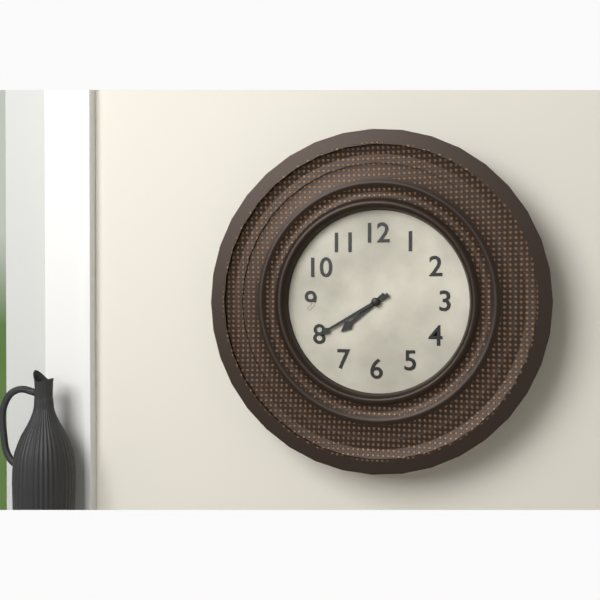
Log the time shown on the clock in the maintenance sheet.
7:40
